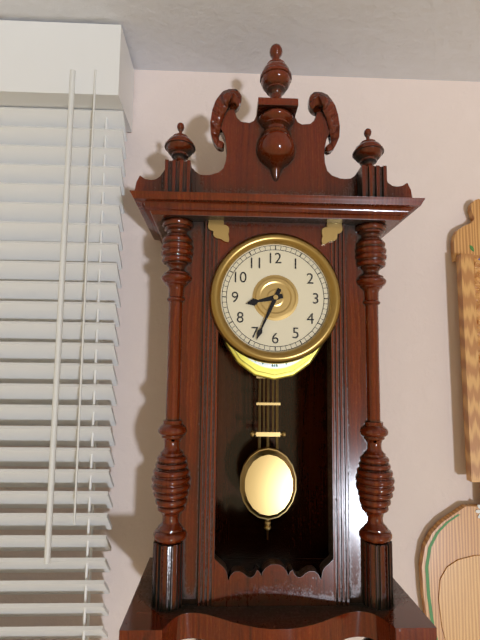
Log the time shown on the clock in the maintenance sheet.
8:34
